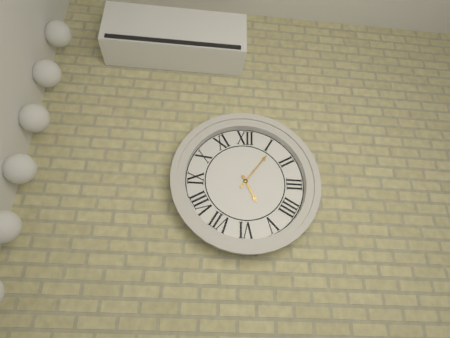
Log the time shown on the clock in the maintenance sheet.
5:06
